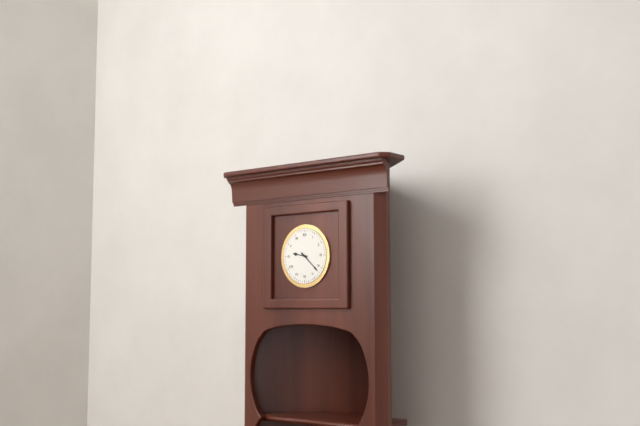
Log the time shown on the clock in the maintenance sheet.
9:22
